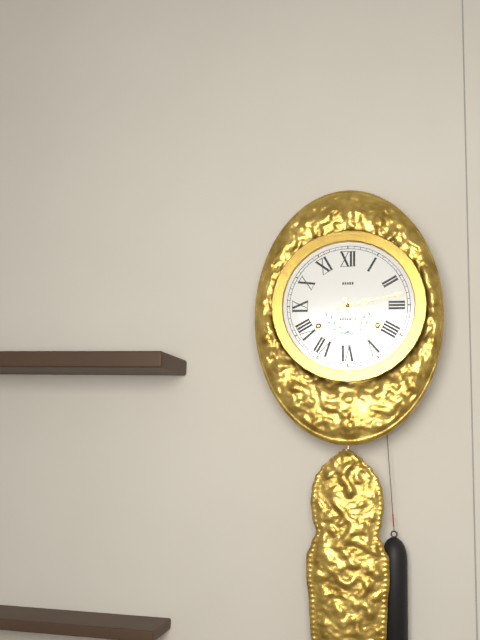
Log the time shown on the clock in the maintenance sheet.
5:13
